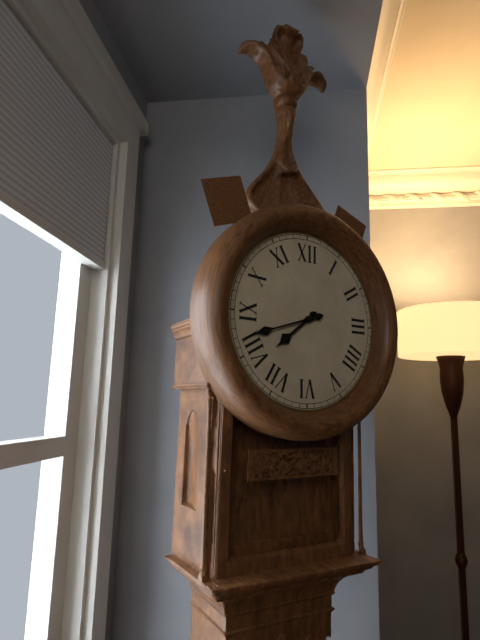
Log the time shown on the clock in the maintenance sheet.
7:42
